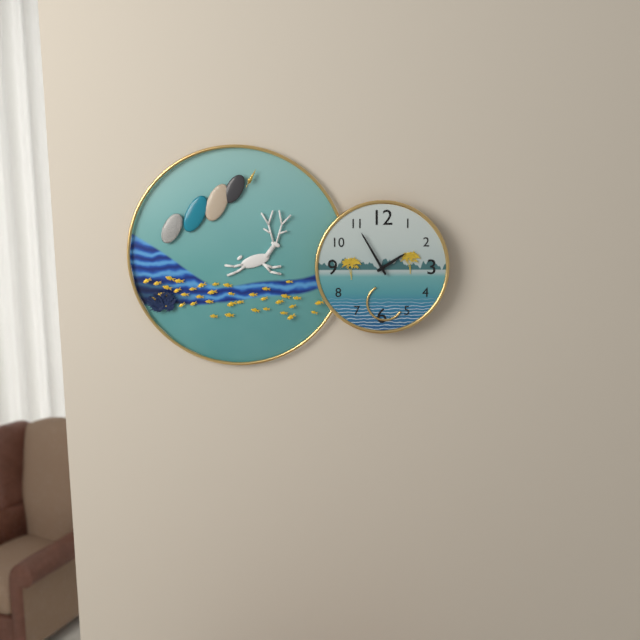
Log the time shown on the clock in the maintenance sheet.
1:55
